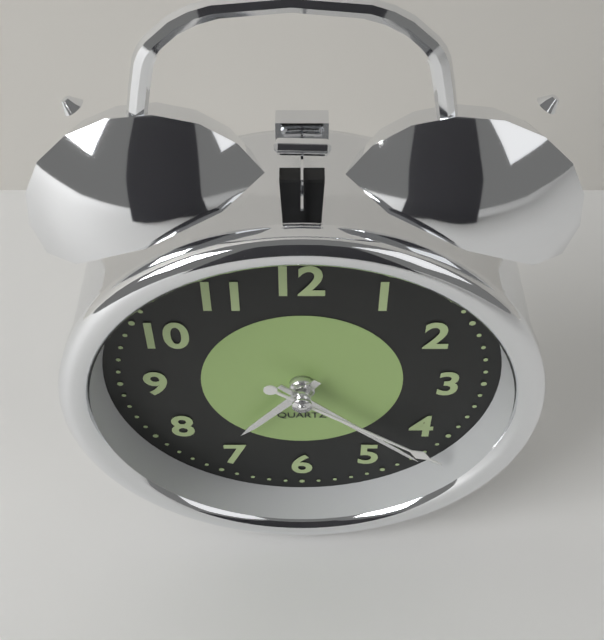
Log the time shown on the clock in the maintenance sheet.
7:22:21
